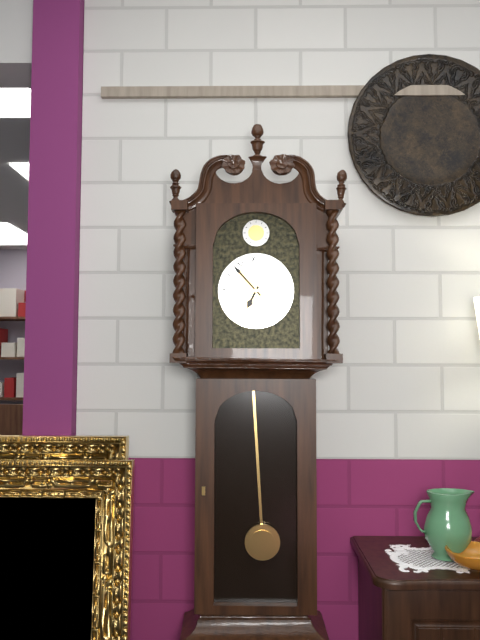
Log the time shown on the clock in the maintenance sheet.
6:53
